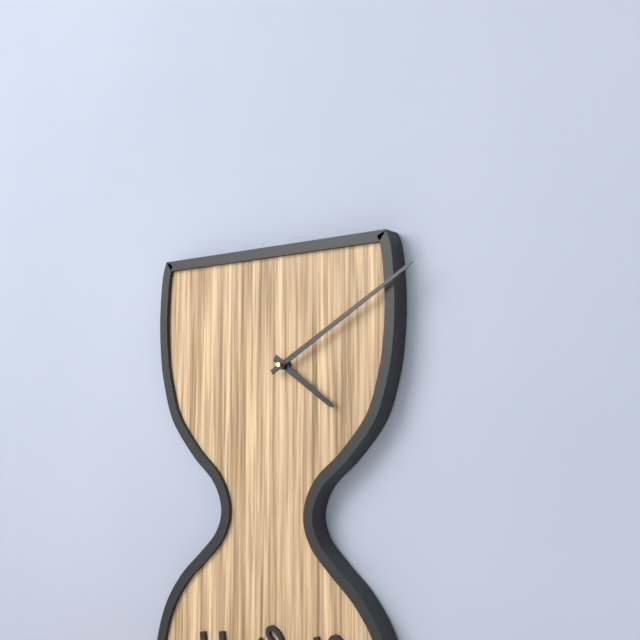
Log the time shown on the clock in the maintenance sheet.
4:10
